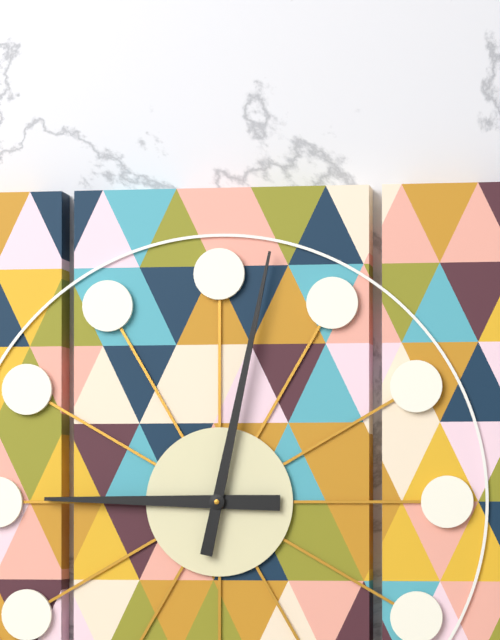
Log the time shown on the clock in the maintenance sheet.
9:02
